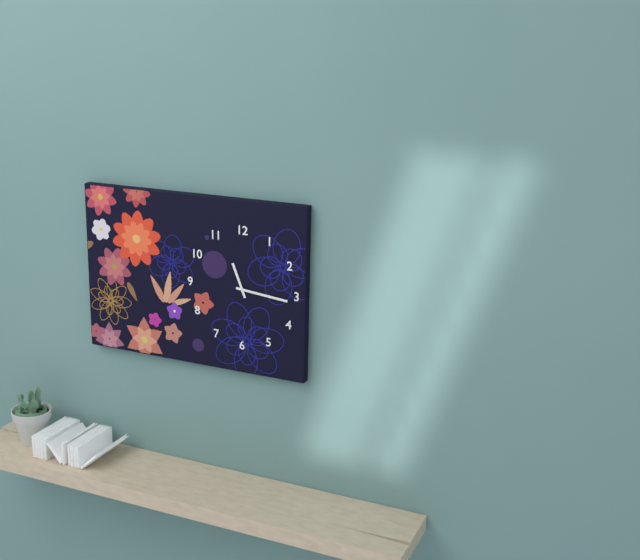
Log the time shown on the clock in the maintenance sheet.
11:16
